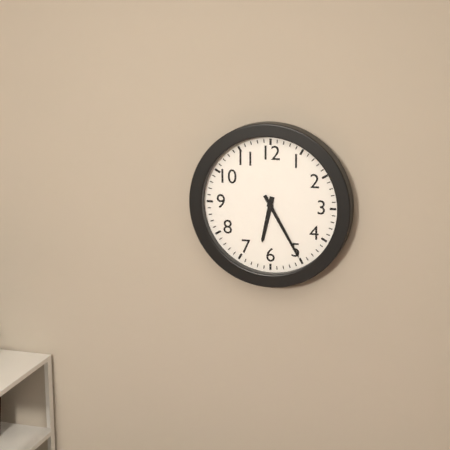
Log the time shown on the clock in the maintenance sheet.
6:25
